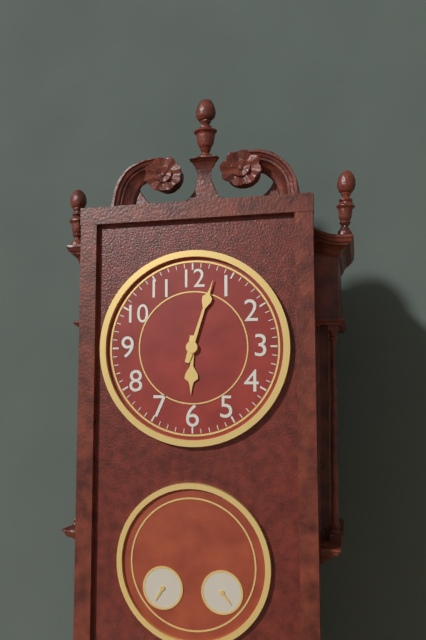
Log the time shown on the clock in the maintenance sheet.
6:03
